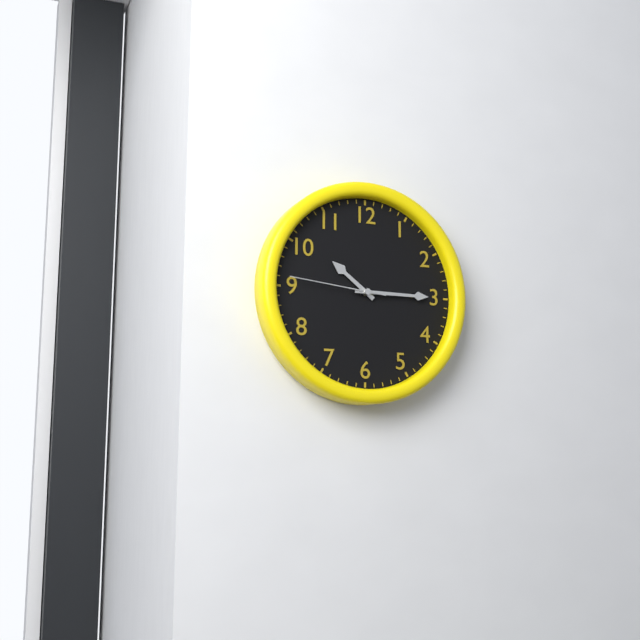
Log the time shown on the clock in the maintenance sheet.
10:15:46
